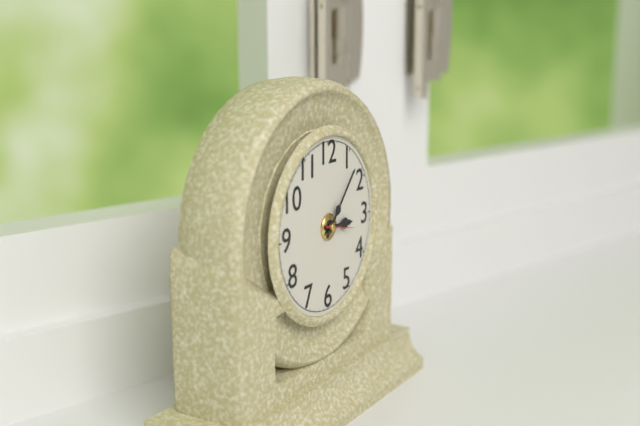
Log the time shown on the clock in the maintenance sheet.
3:07
